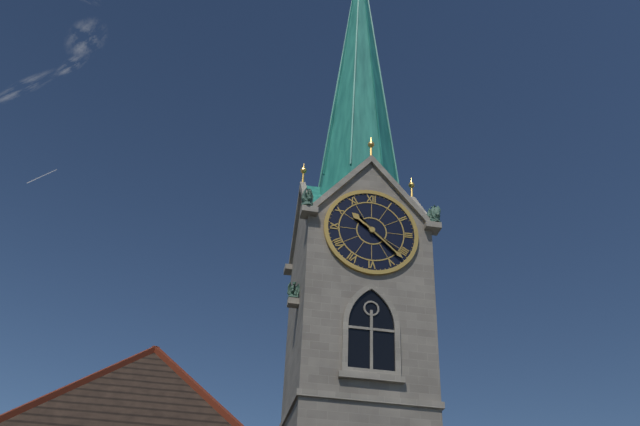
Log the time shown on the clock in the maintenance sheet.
10:22
